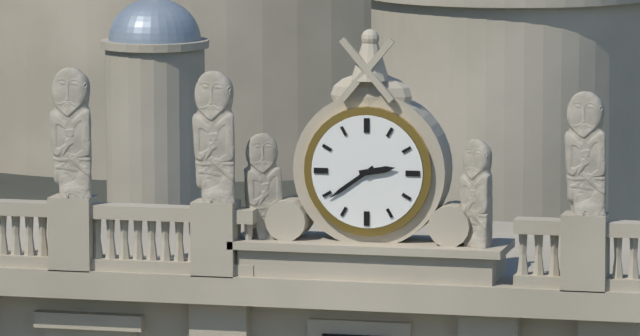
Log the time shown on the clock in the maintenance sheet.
2:39
